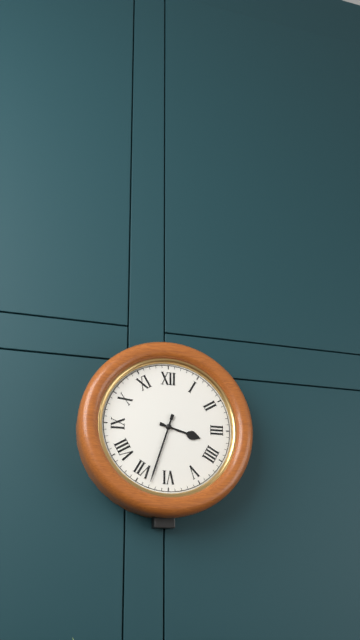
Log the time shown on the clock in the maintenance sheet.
3:33
